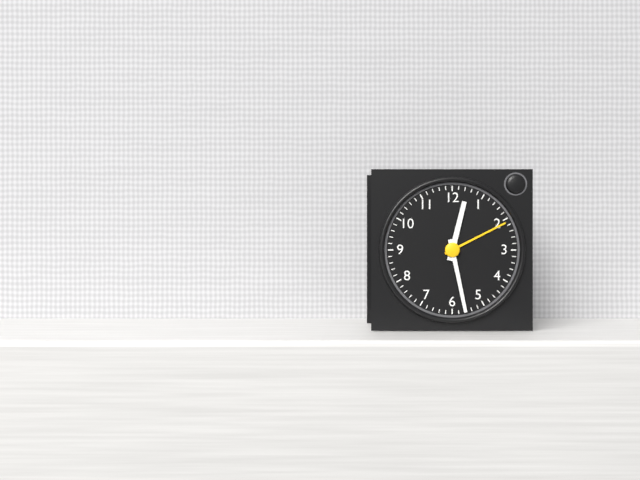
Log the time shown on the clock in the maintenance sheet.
12:28
